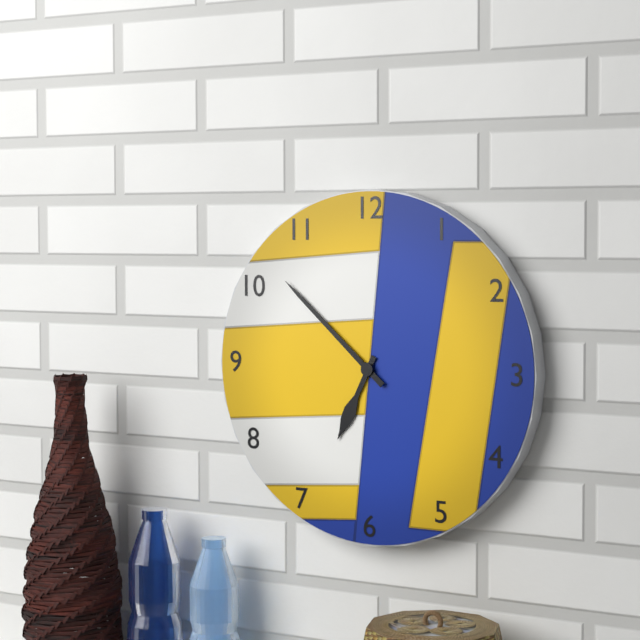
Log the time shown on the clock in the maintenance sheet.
6:52
